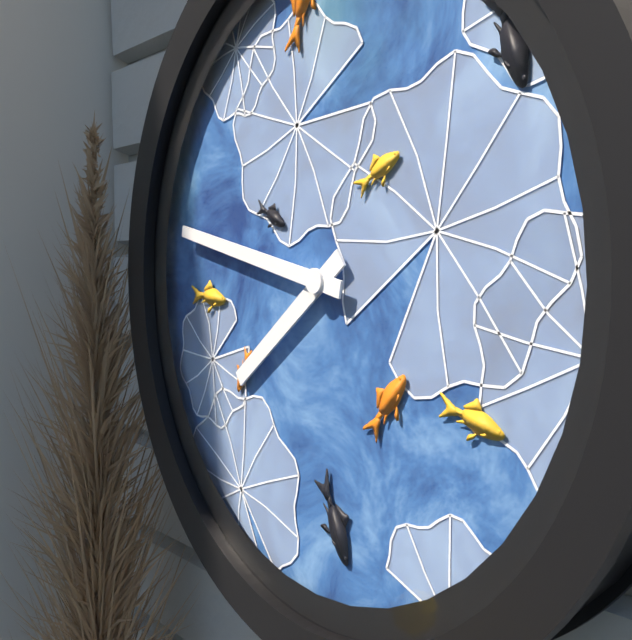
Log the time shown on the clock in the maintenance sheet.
7:47
